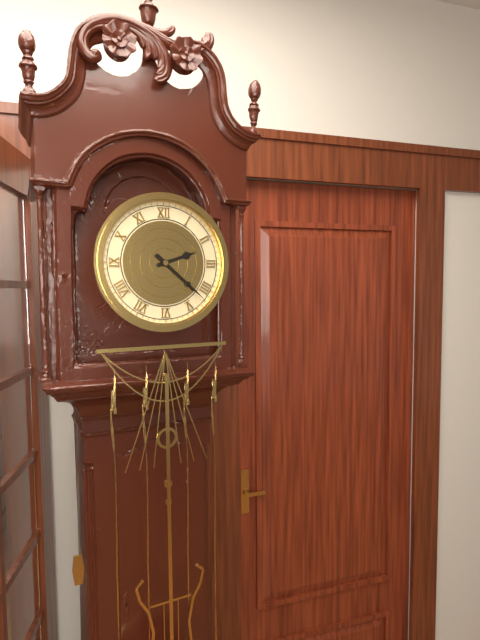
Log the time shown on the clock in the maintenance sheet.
2:22
